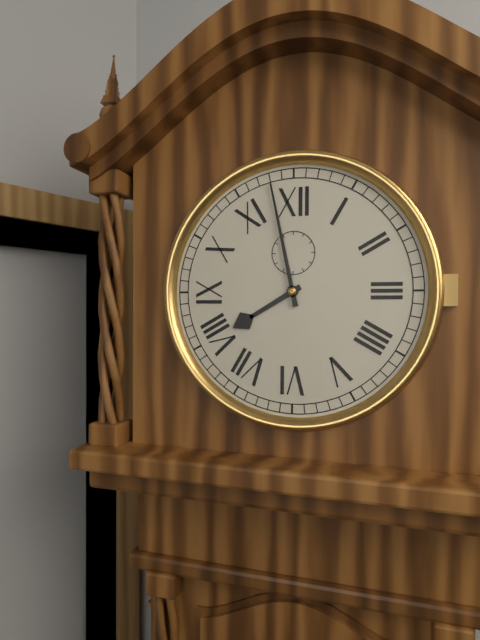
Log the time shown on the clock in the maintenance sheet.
7:58
